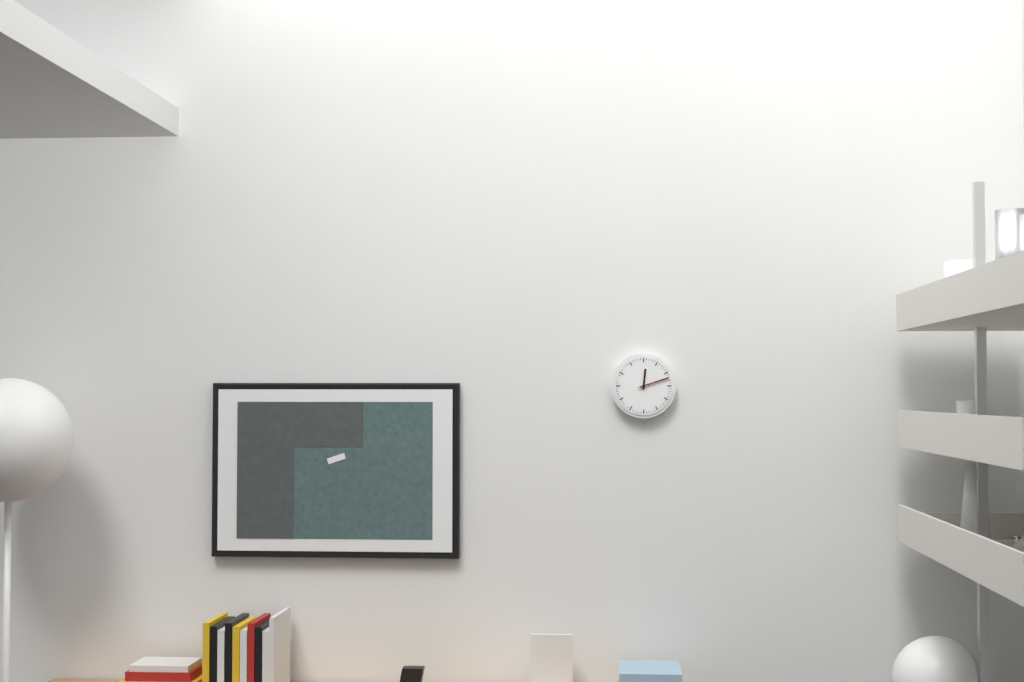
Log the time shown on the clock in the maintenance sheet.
12:12
